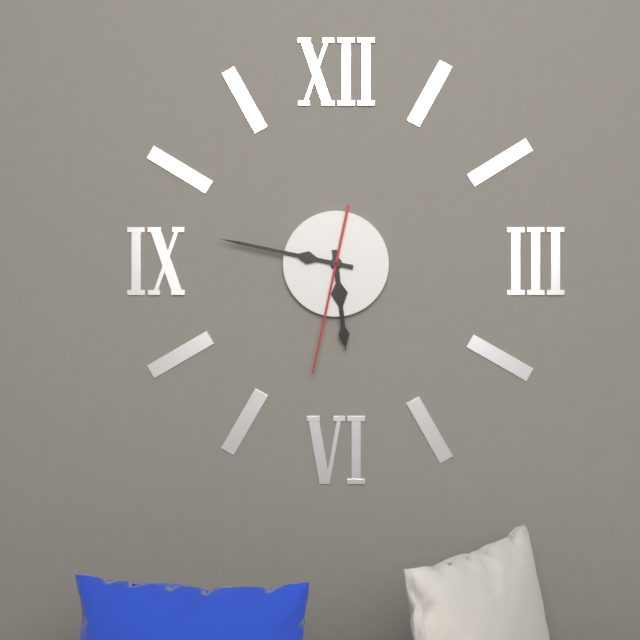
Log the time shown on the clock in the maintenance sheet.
5:47:32
